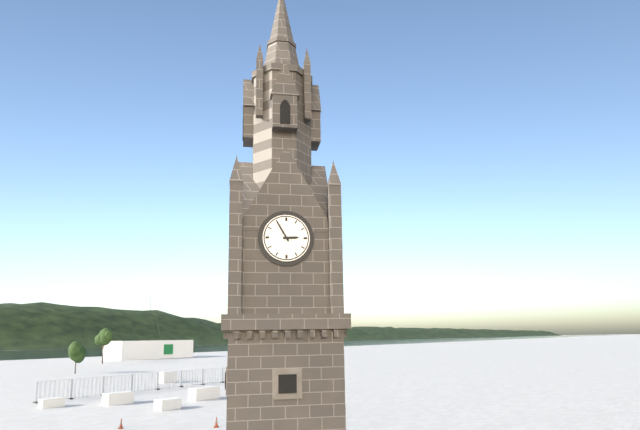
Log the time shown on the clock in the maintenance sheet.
2:55
